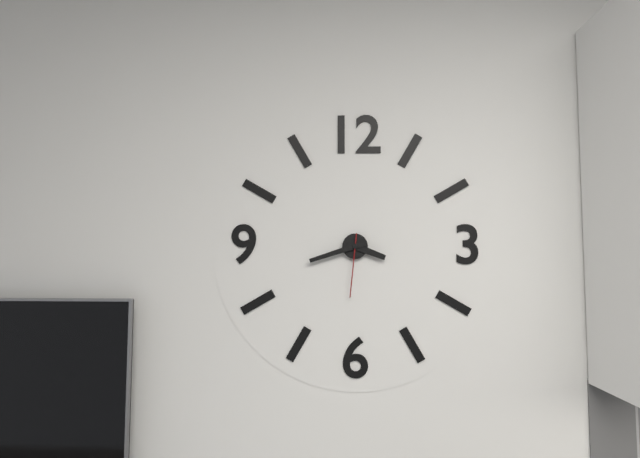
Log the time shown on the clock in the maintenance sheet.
3:42:31
